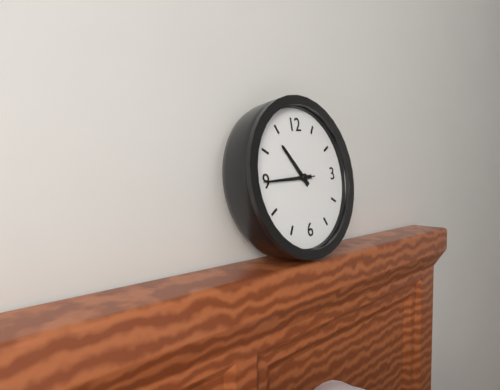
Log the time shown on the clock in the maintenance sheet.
10:45
